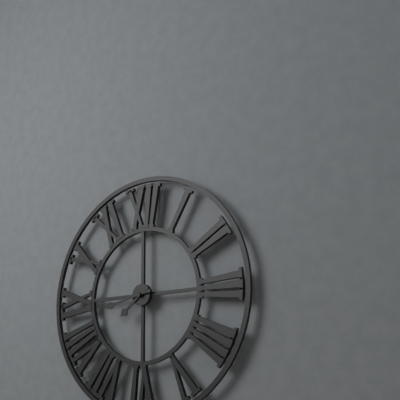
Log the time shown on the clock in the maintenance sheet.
7:43
